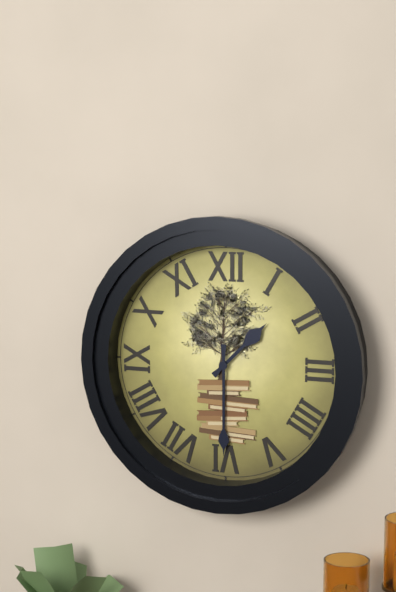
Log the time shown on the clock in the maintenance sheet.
1:30
